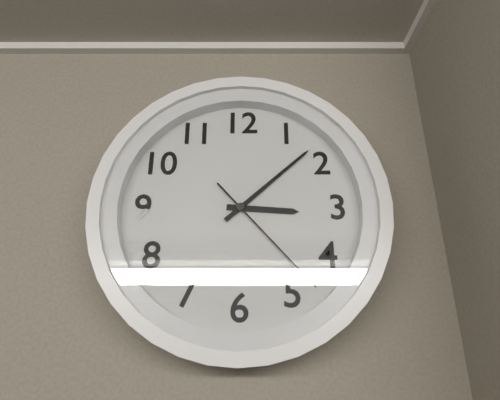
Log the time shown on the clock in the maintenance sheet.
3:08:23
